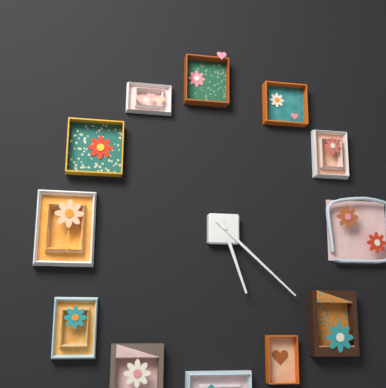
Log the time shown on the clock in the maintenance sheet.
5:22
